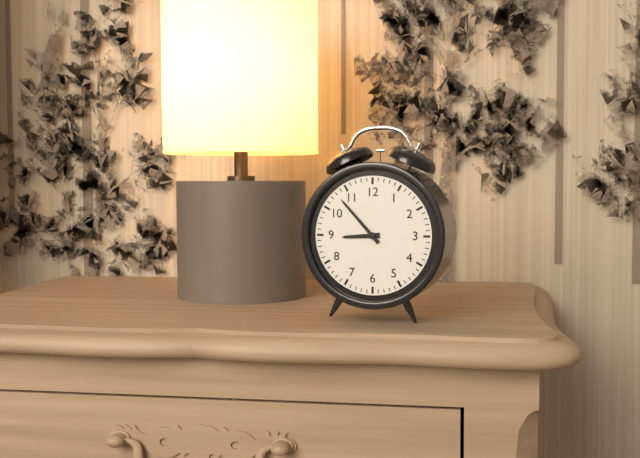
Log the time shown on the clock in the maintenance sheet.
8:53
